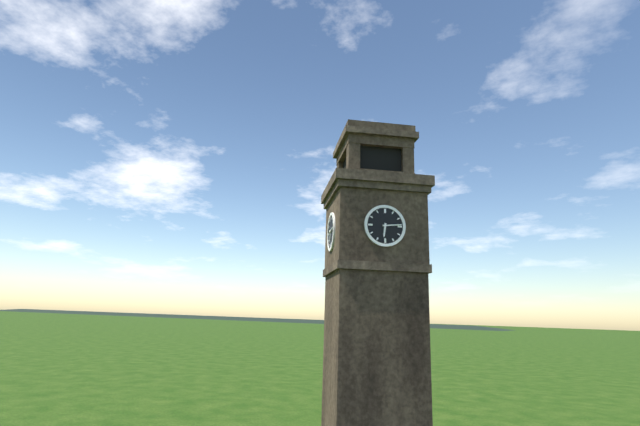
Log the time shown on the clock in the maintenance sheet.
6:14
